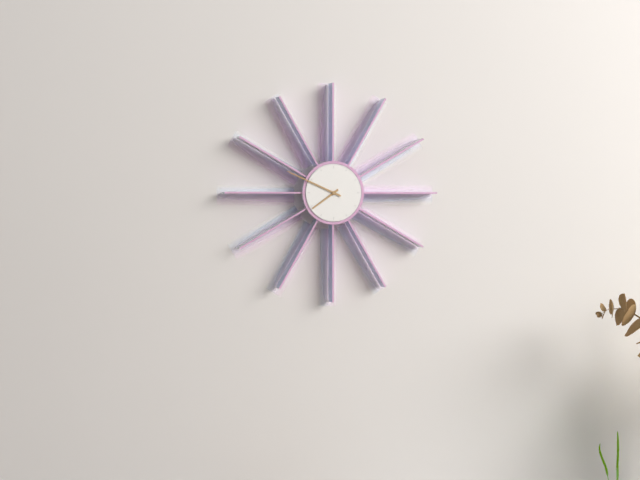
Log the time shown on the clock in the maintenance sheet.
7:49
